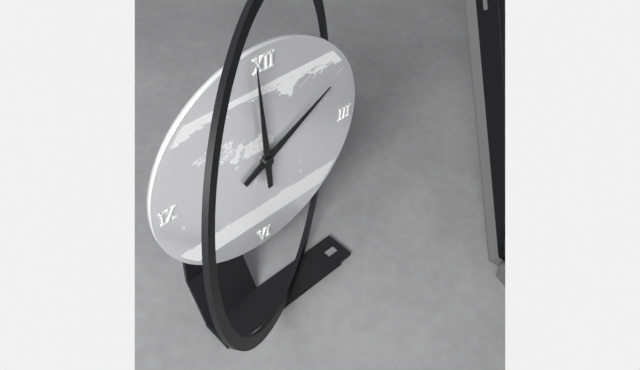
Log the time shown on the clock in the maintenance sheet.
1:59
